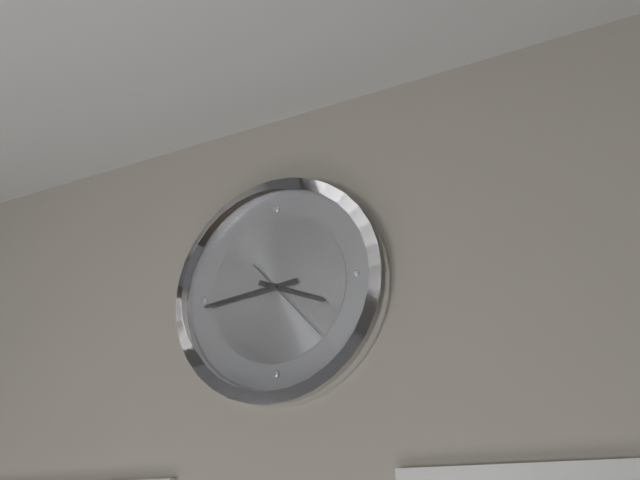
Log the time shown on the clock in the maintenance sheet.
3:44:23
